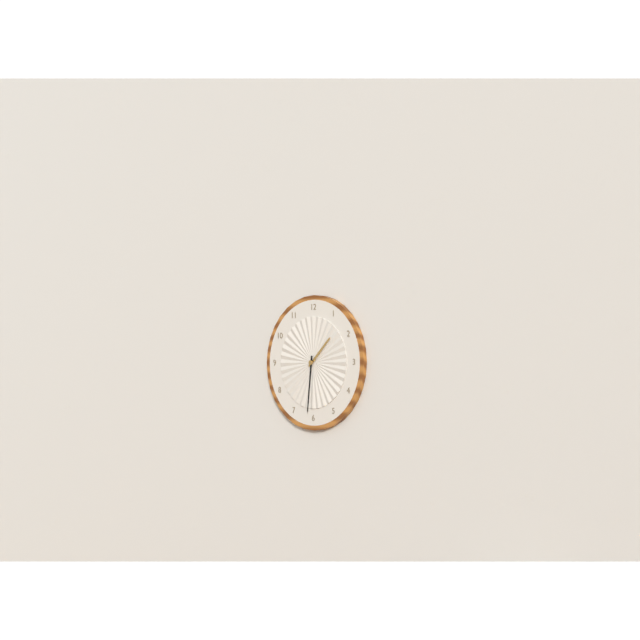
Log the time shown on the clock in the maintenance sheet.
1:31
